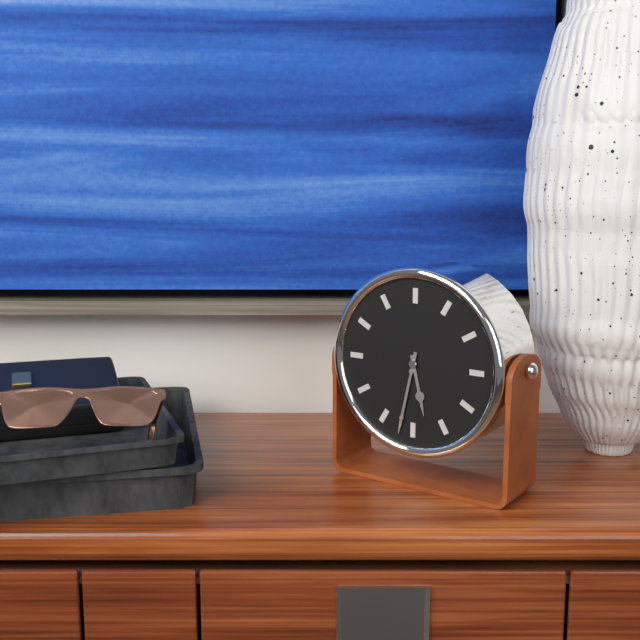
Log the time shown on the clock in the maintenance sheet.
5:32
